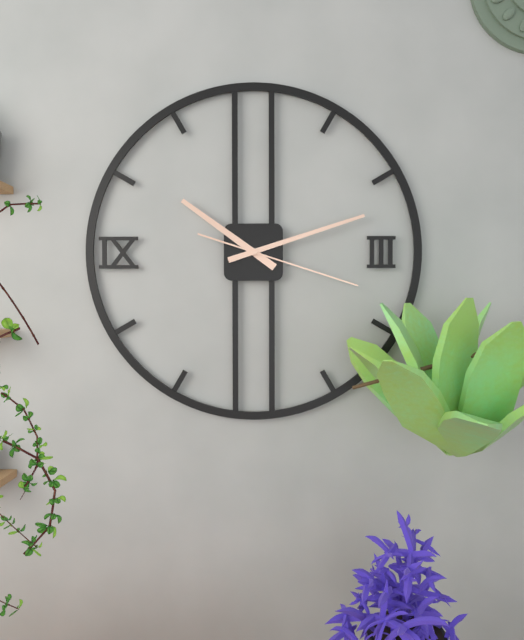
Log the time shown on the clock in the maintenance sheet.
10:12:18
